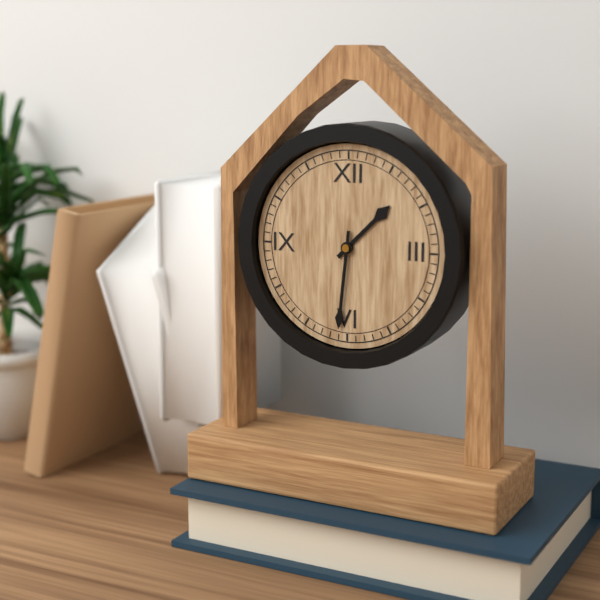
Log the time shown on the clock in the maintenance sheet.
1:31
